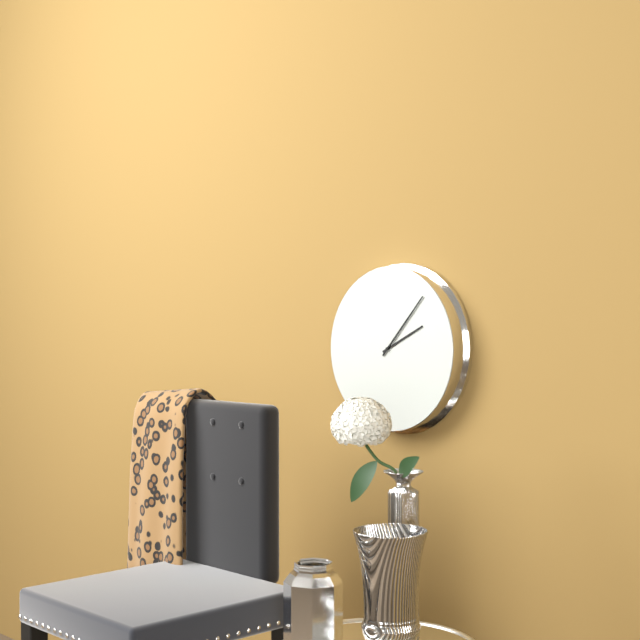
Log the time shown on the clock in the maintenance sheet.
2:07
